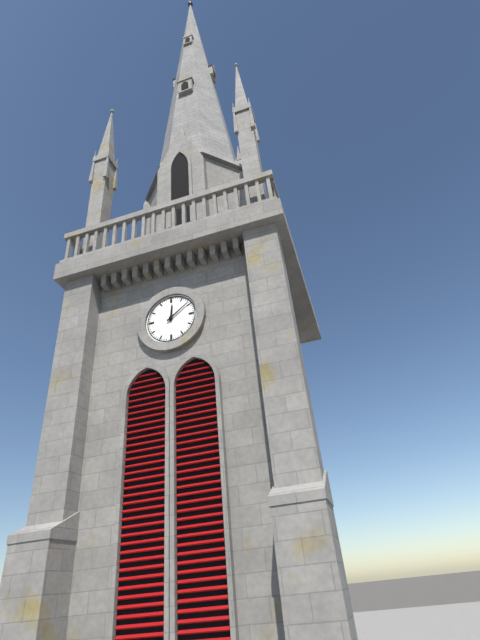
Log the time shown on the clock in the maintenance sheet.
12:09
